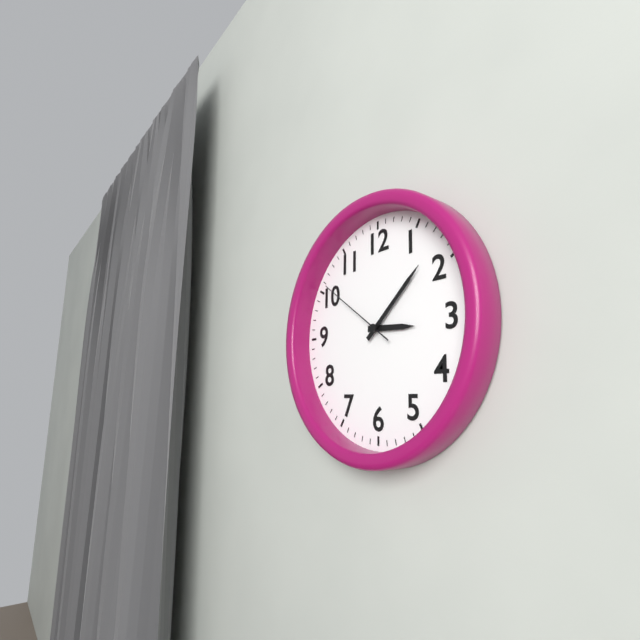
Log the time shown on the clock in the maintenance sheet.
3:08:51
